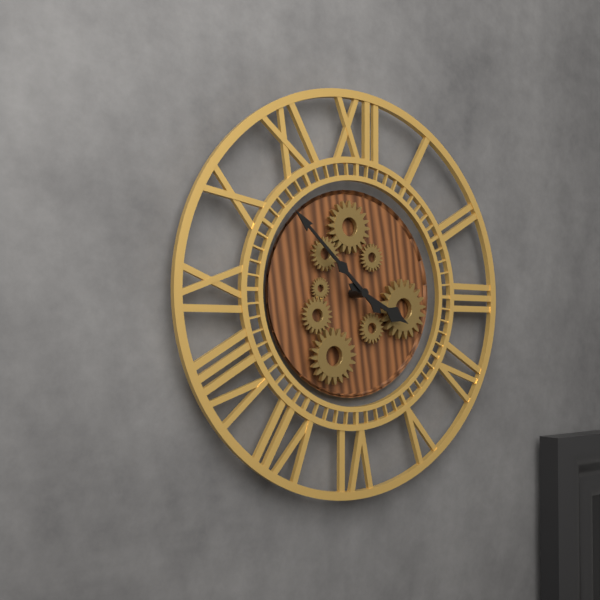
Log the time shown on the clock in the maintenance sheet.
3:52
